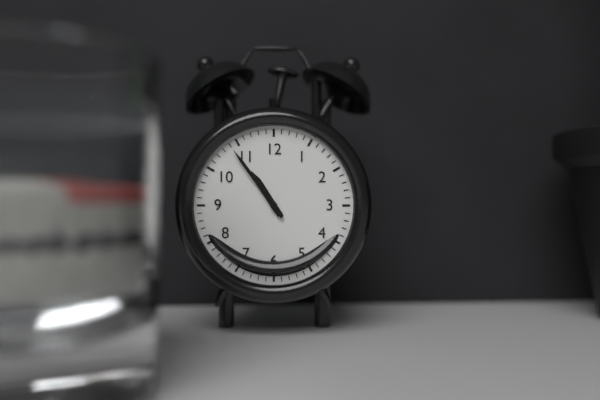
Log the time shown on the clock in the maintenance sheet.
10:54
